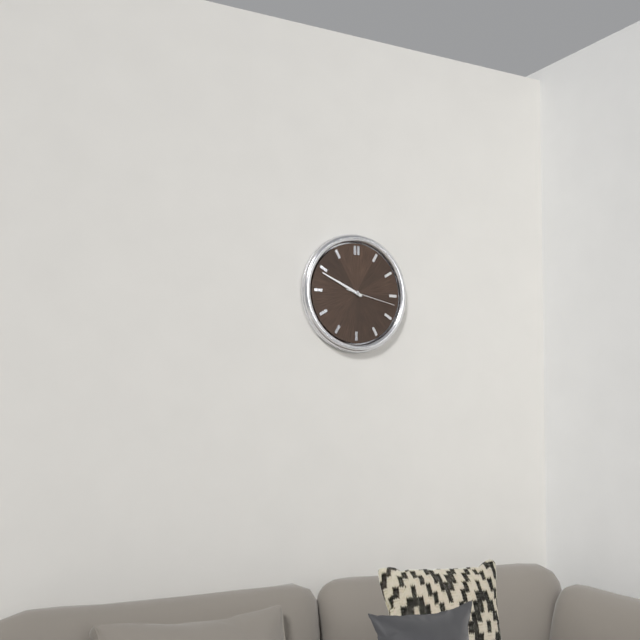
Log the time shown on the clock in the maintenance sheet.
9:49
